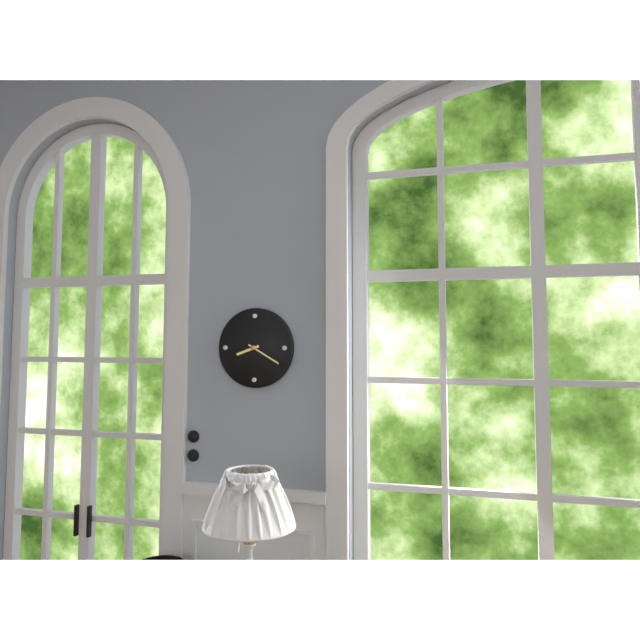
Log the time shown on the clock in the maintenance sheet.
8:20
